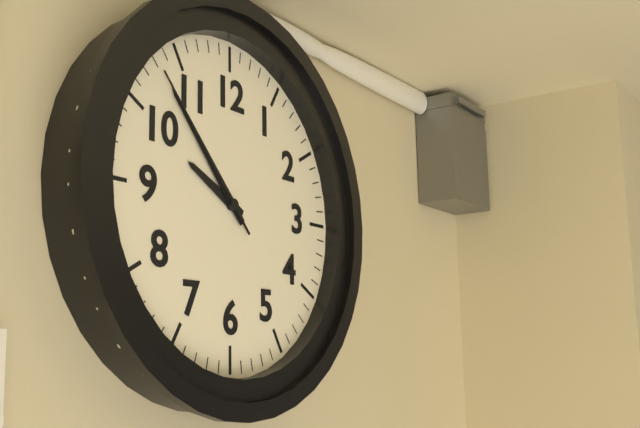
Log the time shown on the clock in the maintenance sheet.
9:53:53
